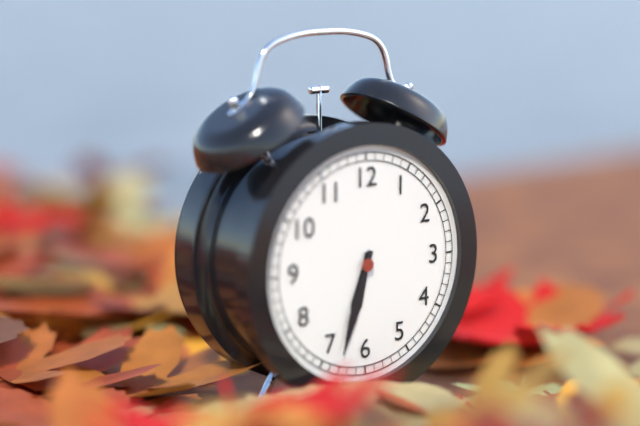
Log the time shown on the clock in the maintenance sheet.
6:33
